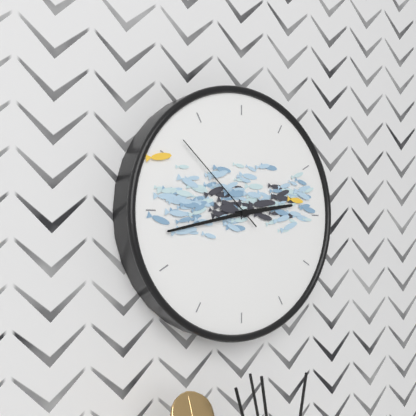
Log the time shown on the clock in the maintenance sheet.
2:43:52
